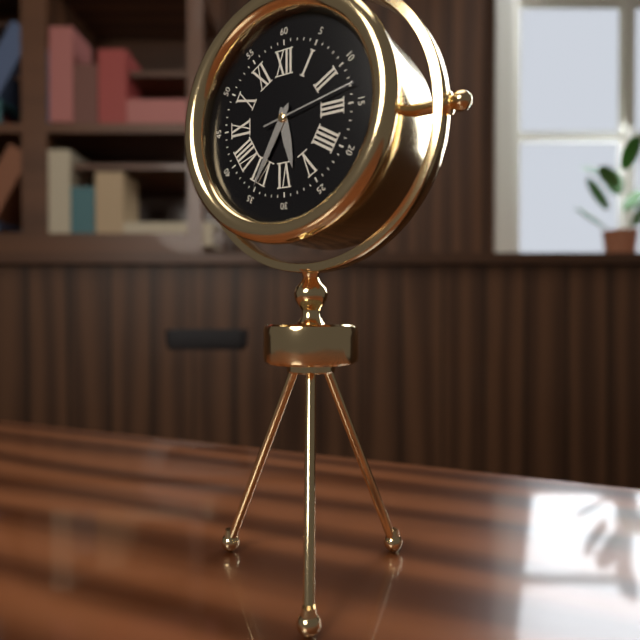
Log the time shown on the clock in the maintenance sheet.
5:35:13
